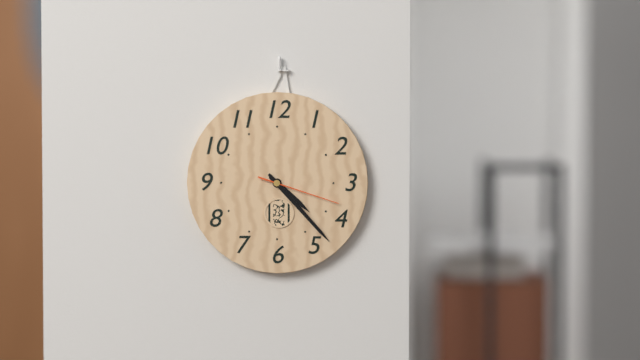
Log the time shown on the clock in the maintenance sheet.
4:23:18
